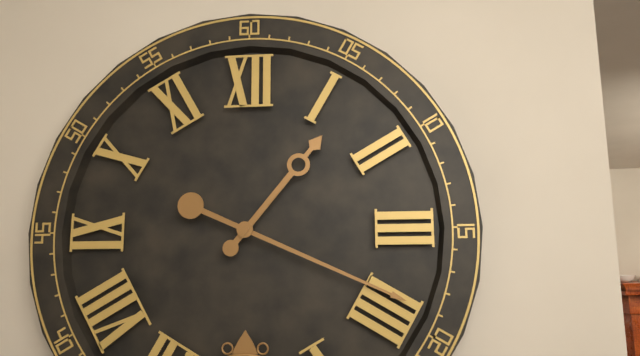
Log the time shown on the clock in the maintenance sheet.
1:19
